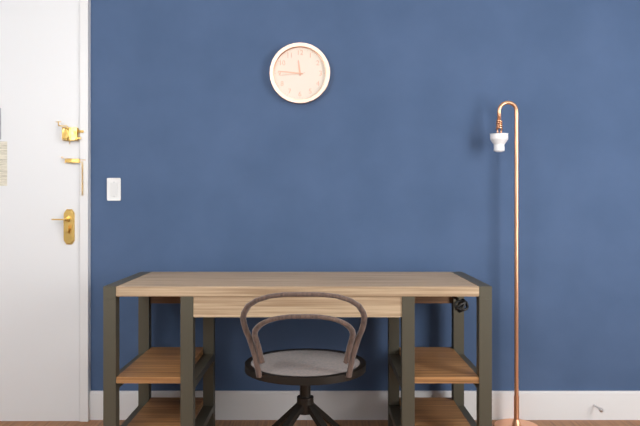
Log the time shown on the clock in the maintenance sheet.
11:46
